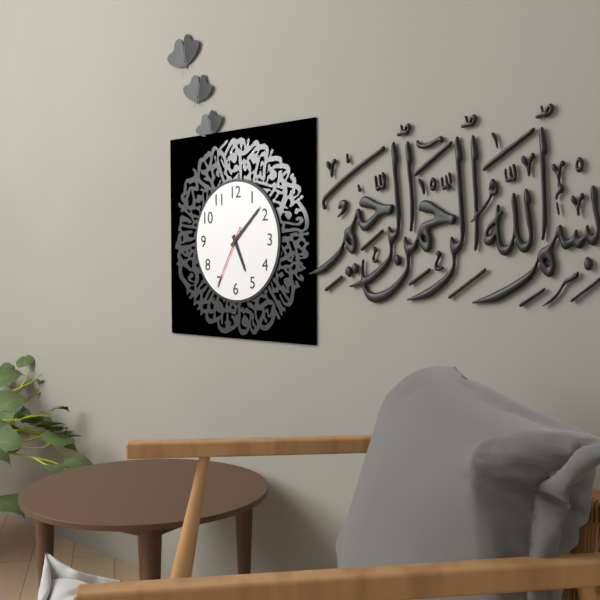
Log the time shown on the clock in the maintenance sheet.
5:08:35
